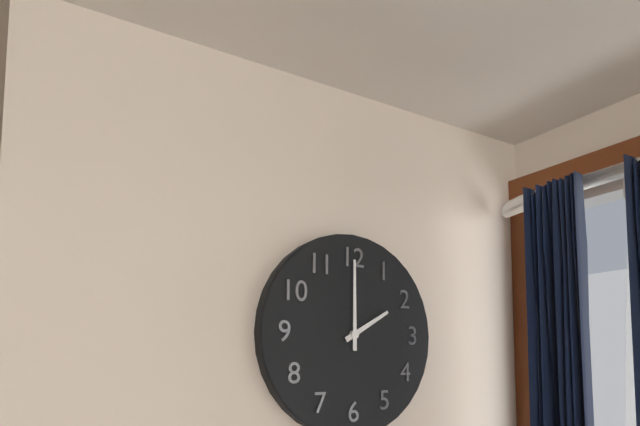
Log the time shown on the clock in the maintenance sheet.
2:00
